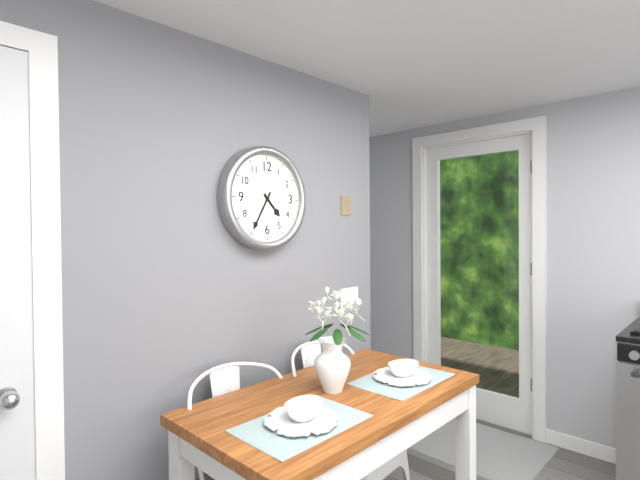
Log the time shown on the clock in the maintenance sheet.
4:35
